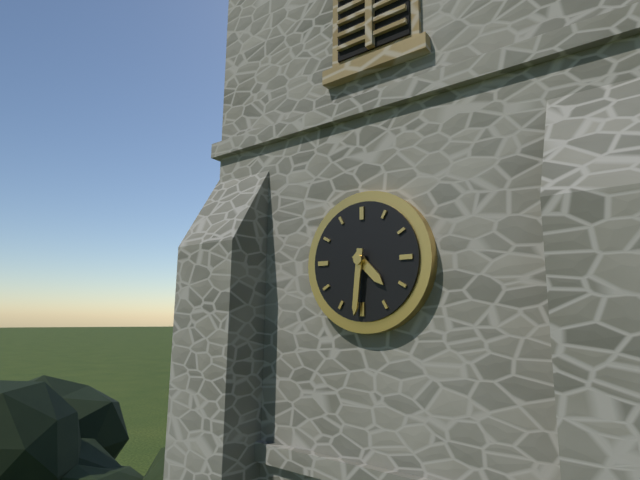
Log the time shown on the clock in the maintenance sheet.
4:31
